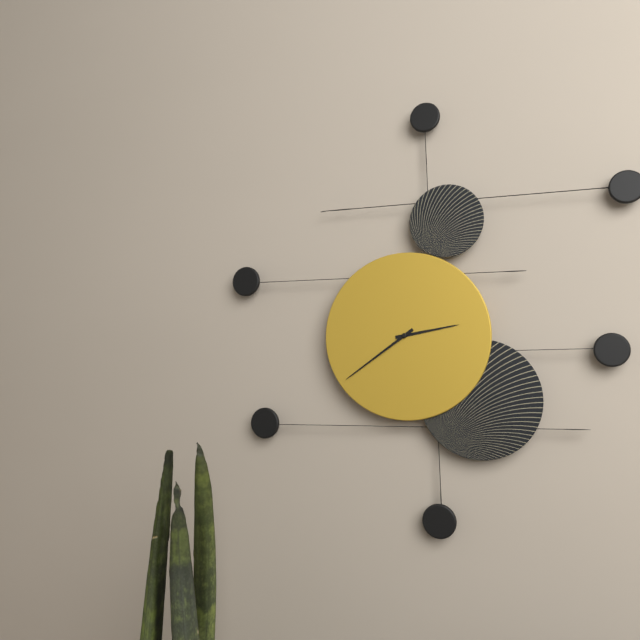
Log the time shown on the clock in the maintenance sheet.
2:39
